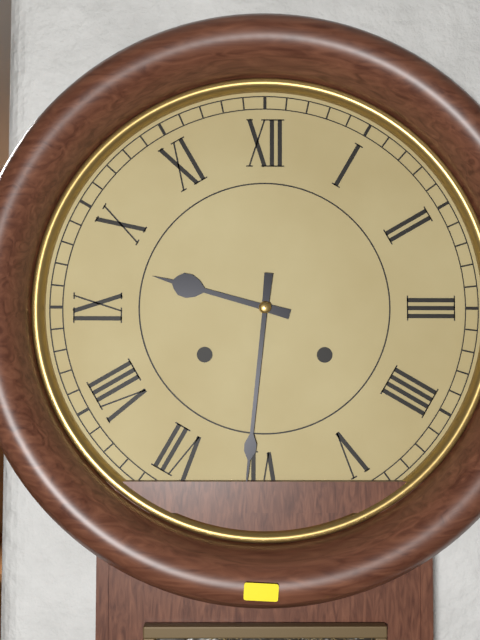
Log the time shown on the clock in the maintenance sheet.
9:31
